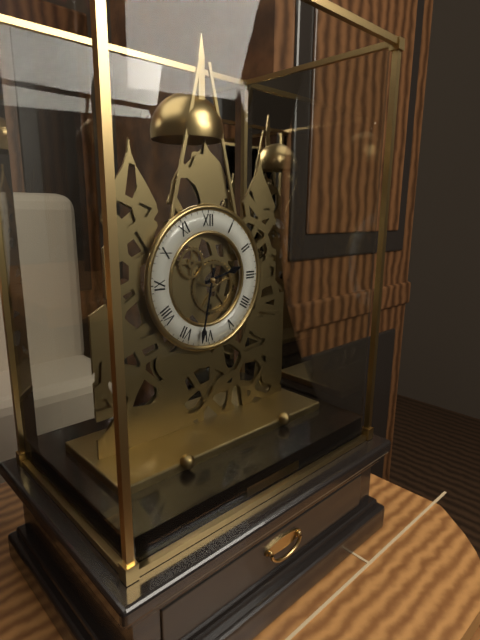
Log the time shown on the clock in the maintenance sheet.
2:32
